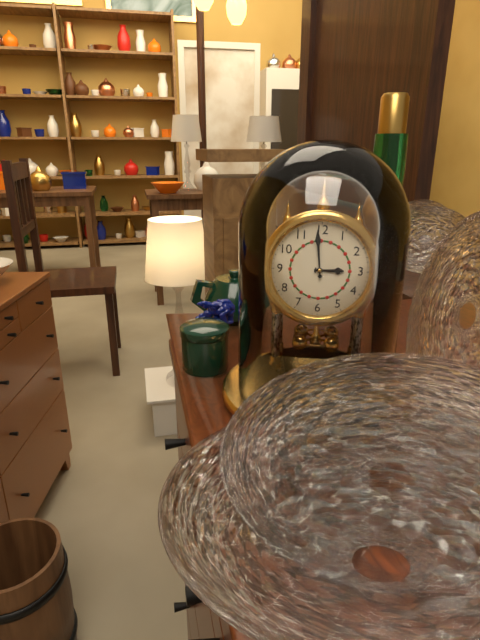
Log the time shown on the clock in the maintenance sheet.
2:59
